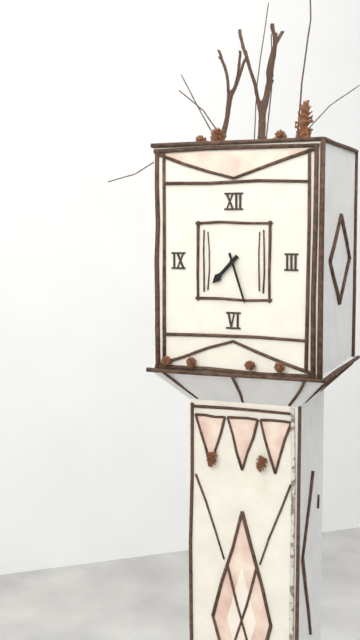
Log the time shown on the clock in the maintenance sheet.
7:27
